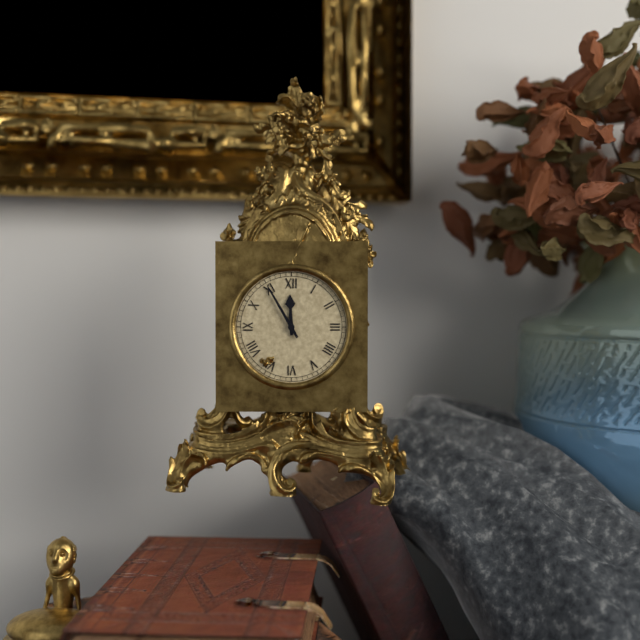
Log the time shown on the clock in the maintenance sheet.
11:55
